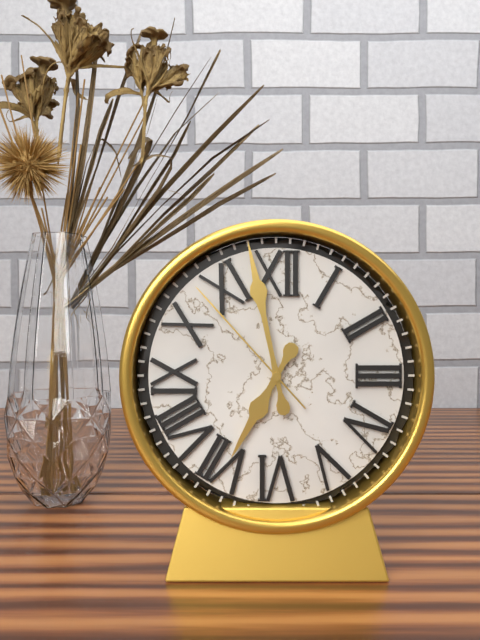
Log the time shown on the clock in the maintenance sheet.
6:58:53
